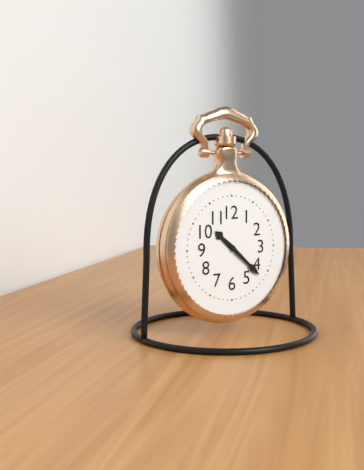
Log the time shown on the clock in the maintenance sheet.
10:22
